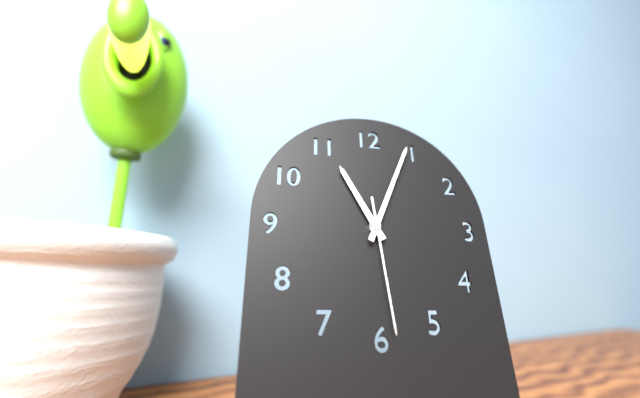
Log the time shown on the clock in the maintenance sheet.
11:04:29
